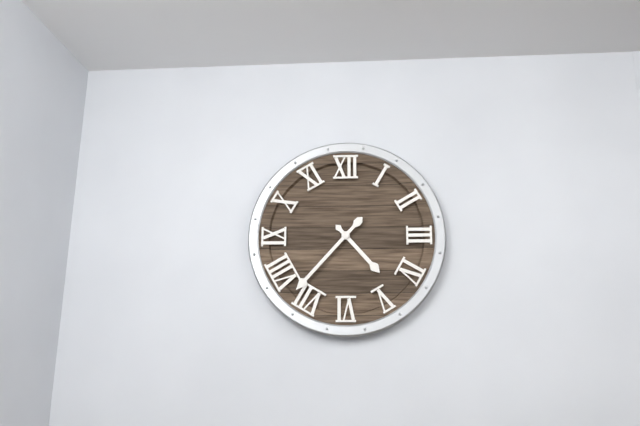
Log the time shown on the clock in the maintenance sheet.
4:37
